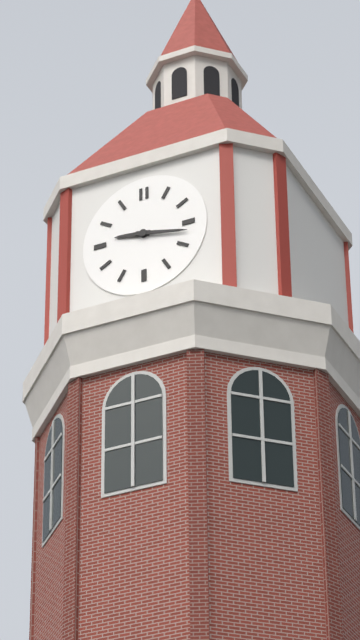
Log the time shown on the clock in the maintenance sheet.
9:17
